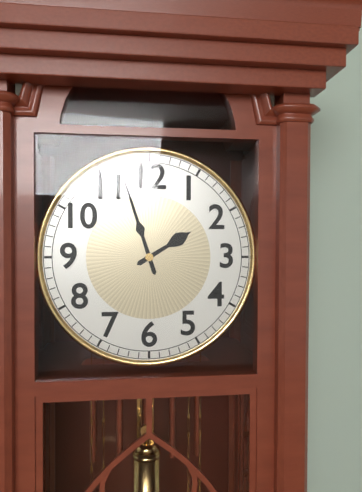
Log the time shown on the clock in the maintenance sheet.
1:57
